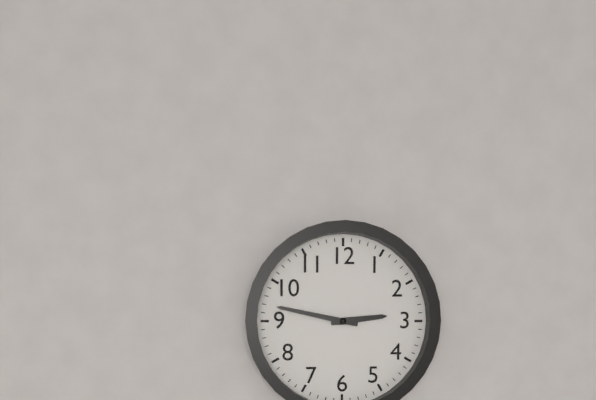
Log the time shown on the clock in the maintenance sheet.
2:47
